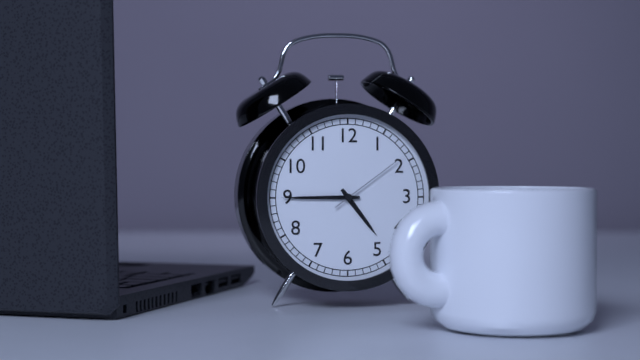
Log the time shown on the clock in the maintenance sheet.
4:45:09
